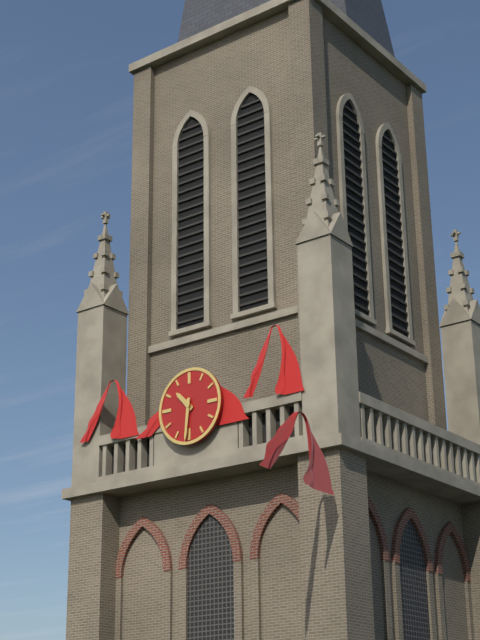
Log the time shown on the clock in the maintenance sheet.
10:31
